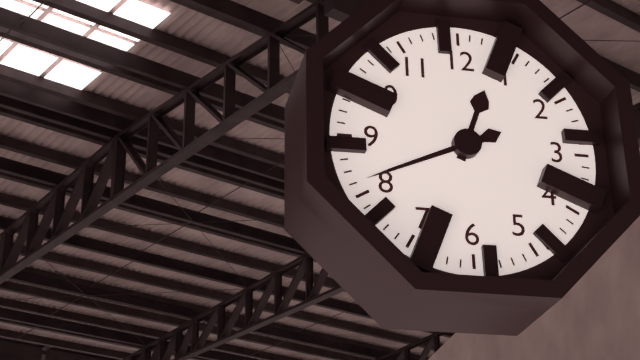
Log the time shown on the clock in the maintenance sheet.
12:41
